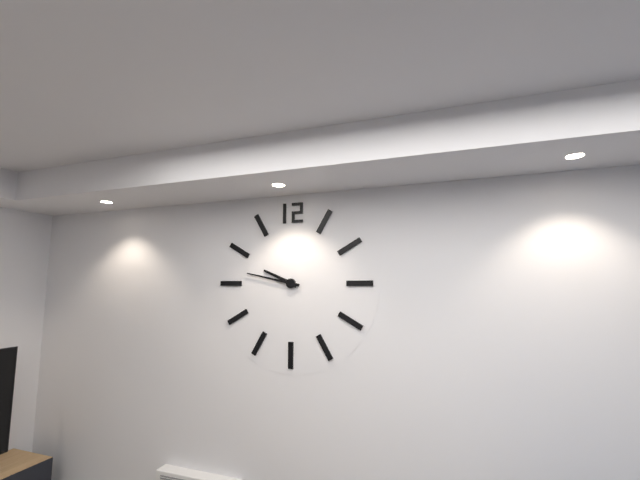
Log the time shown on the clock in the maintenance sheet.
9:47
